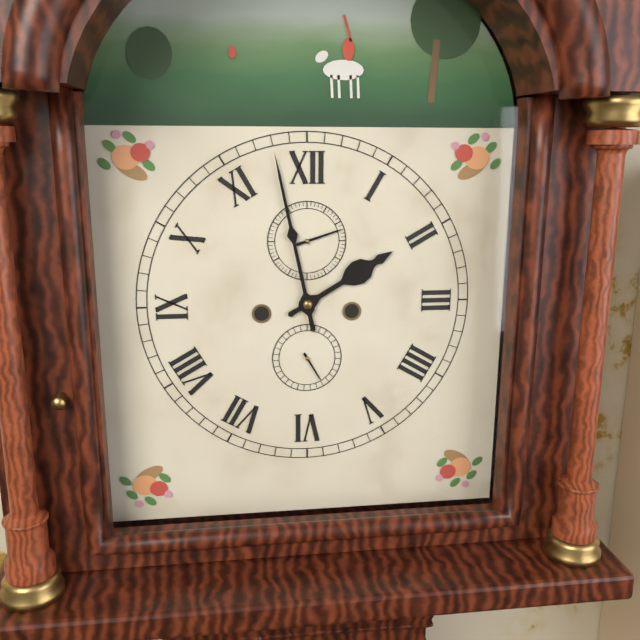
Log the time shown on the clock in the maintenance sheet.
1:58
